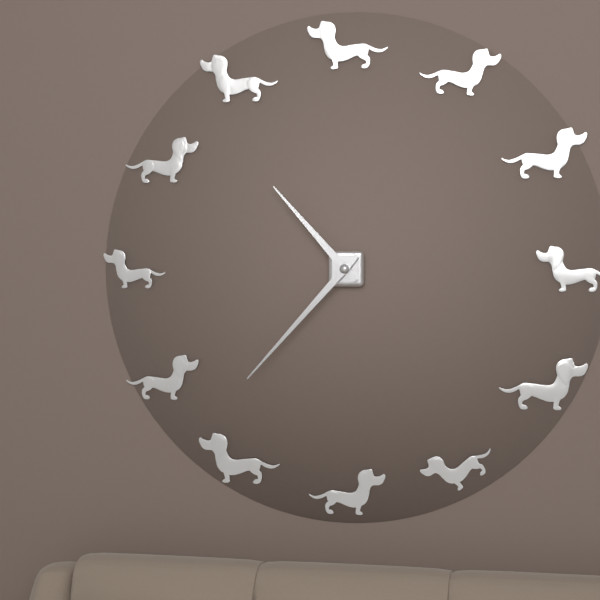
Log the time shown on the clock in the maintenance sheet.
10:37
